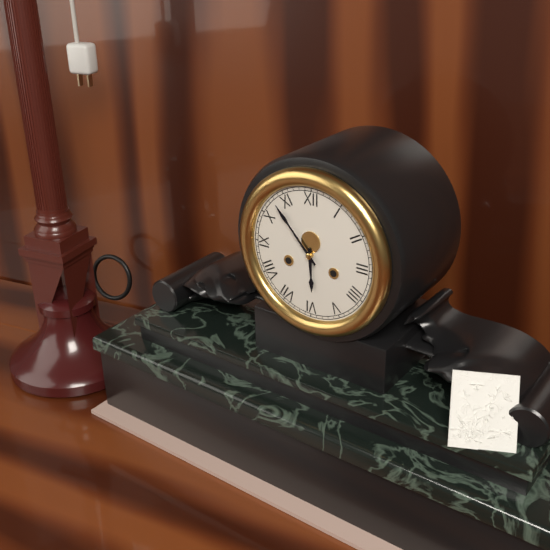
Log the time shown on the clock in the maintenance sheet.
5:53
